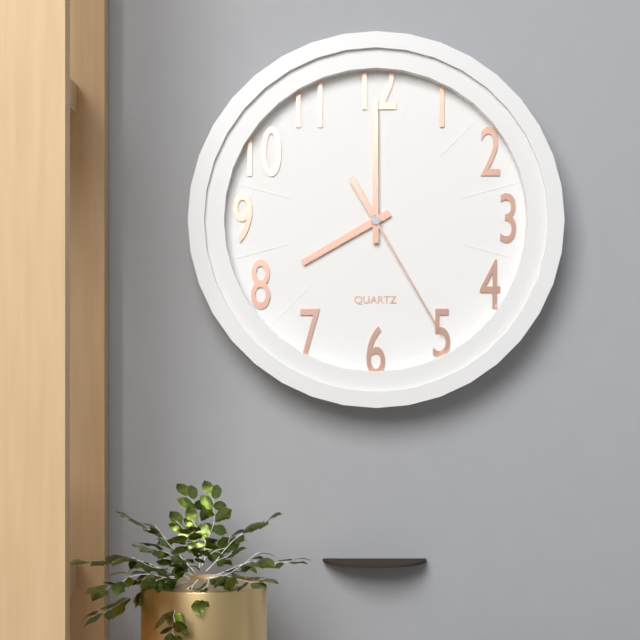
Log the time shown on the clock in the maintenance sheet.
8:00:25
